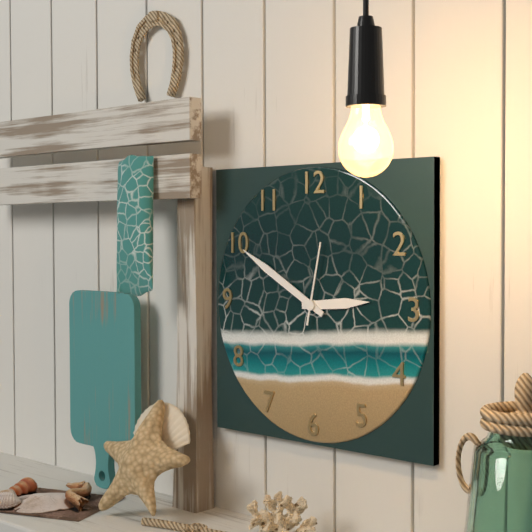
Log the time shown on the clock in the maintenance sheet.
2:50:02
